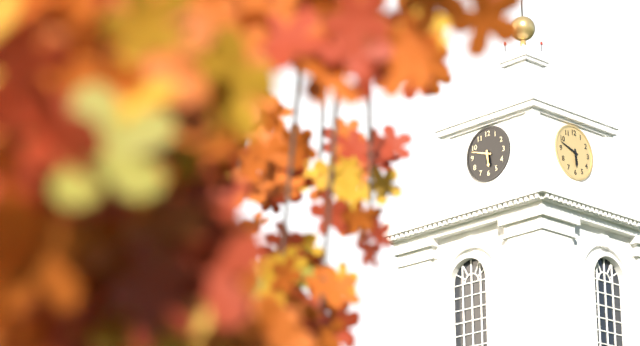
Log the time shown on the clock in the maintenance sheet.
5:48
